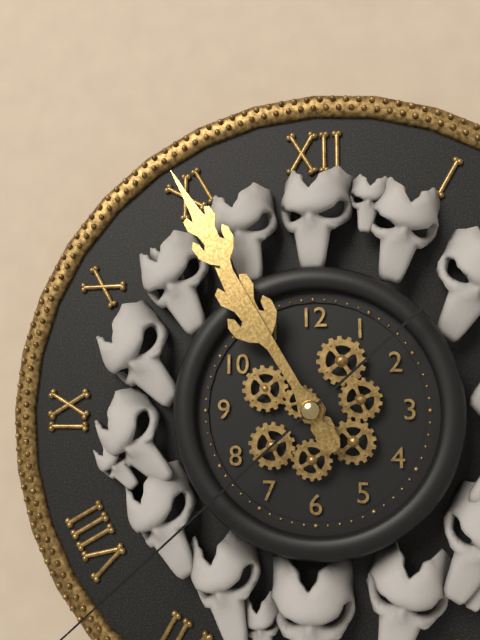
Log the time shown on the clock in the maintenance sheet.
10:55
